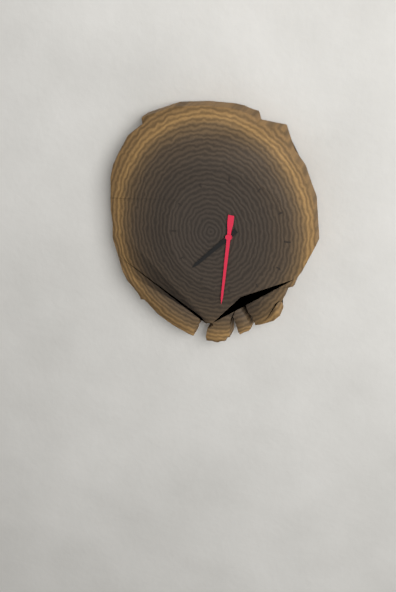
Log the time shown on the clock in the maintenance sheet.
7:31
